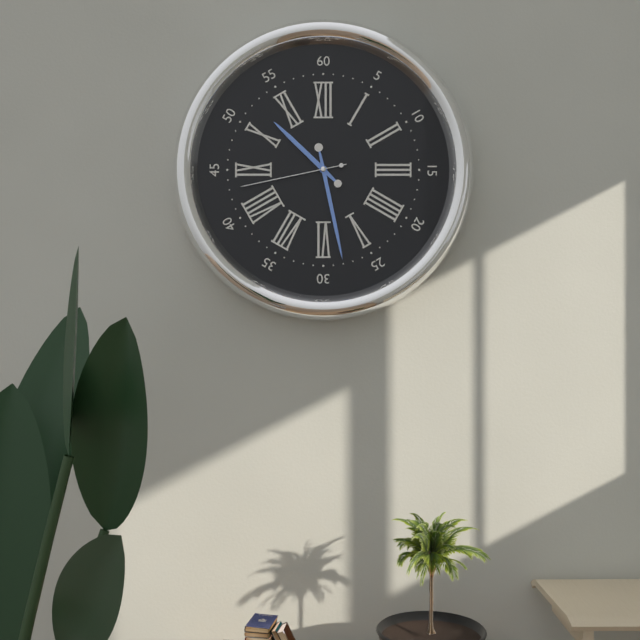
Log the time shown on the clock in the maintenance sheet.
10:28:43
